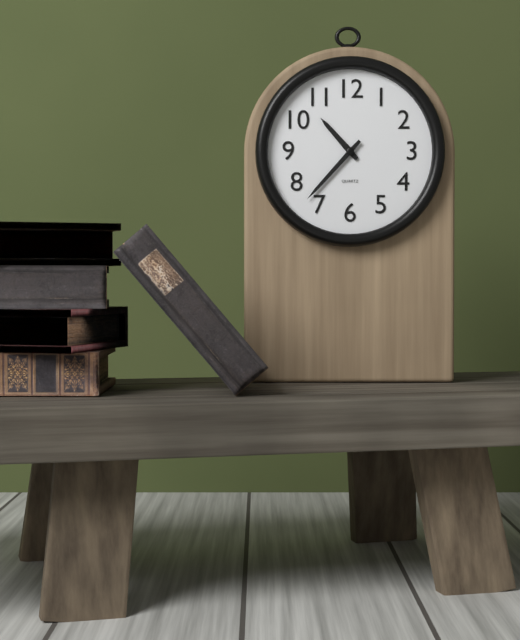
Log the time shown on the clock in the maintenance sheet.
10:37
